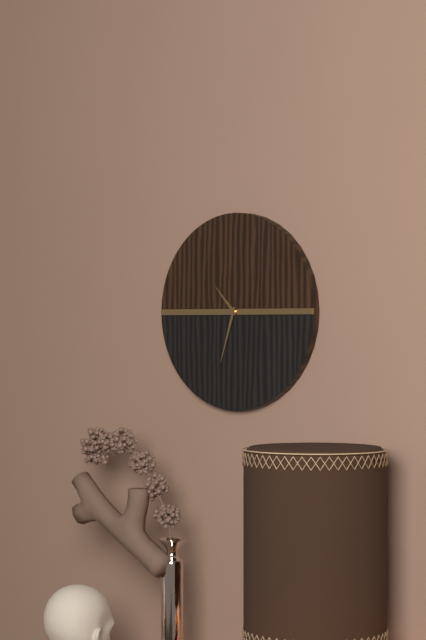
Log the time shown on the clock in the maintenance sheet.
10:33
